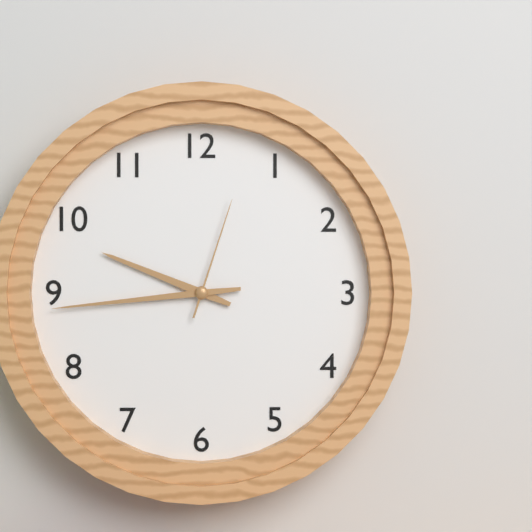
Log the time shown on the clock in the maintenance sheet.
9:44:03
